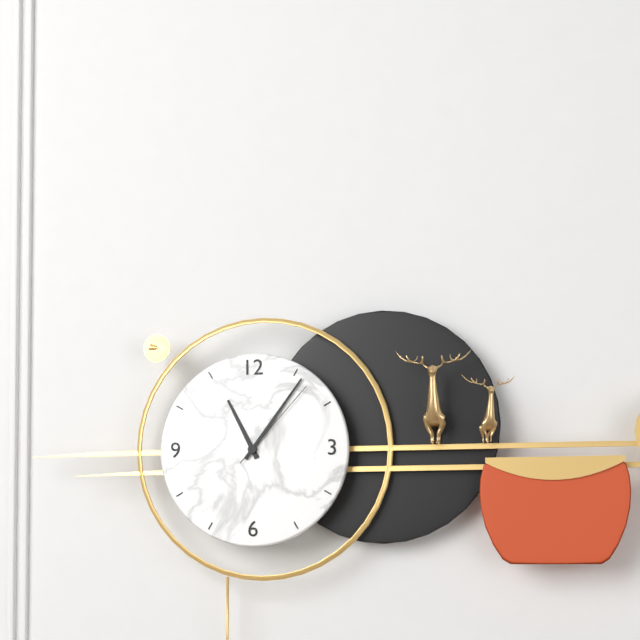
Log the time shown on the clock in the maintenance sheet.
11:06:07
